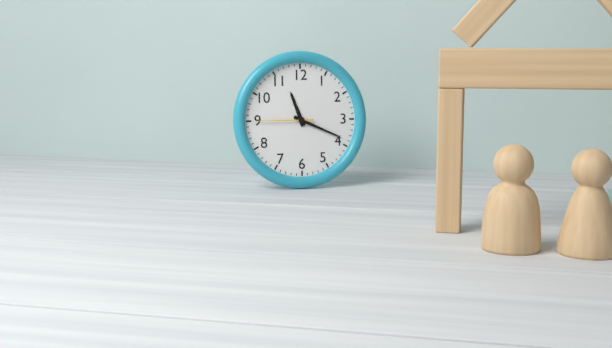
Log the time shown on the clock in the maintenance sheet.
11:19:45
